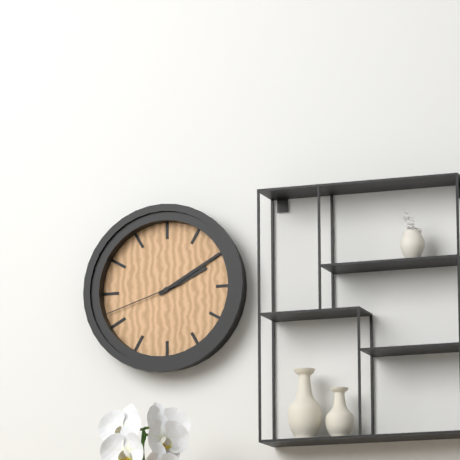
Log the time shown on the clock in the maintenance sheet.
2:10:42
